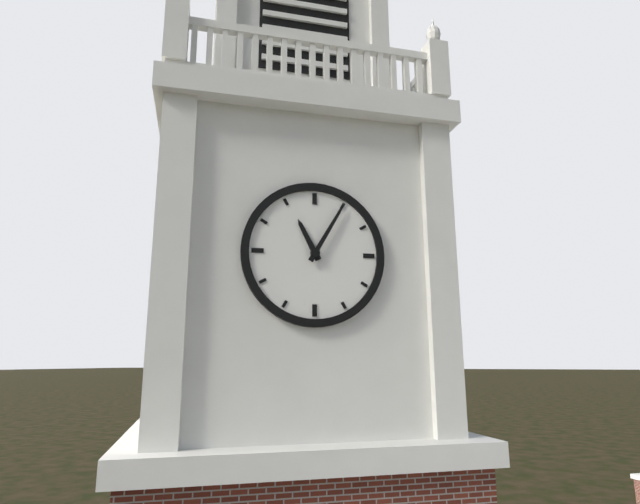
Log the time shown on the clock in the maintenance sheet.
11:05
